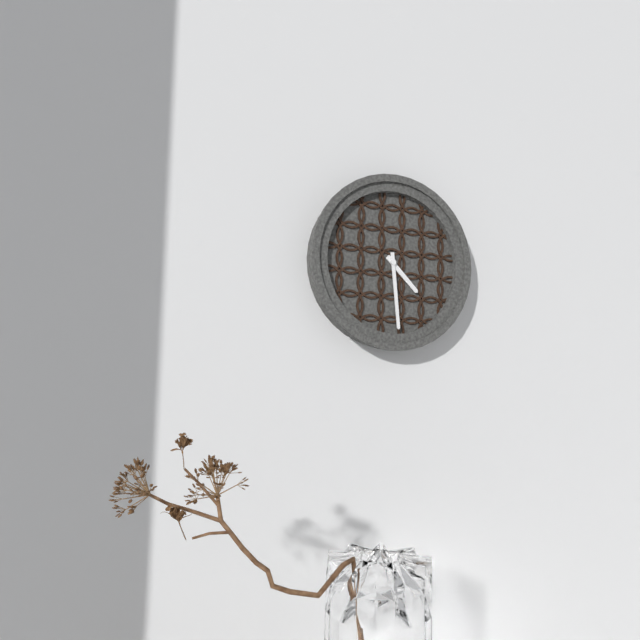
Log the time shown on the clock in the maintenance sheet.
4:29
